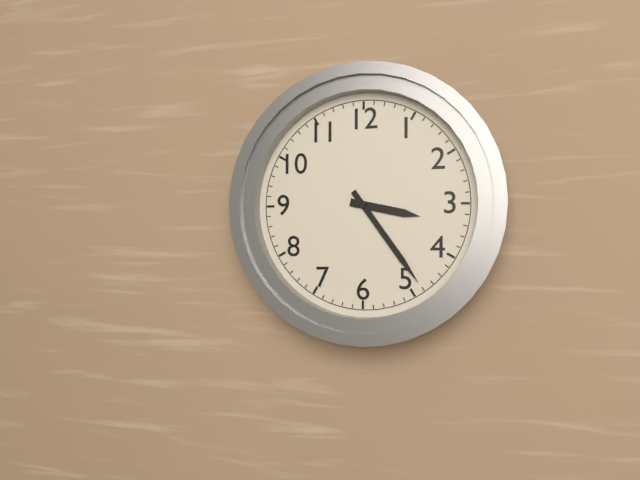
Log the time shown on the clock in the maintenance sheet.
3:24
